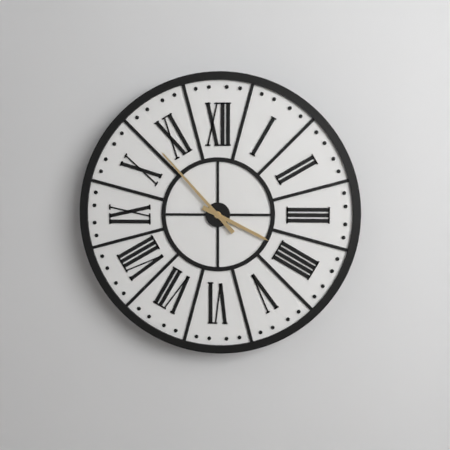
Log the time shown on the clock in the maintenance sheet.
3:53
